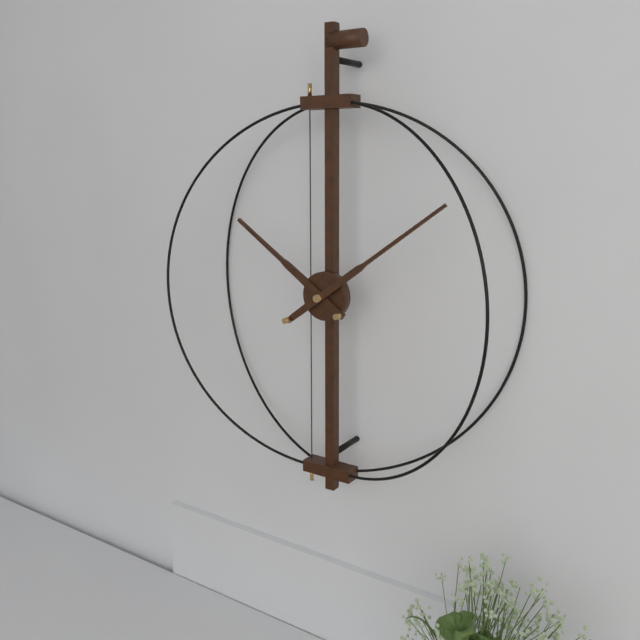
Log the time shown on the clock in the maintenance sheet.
10:09
